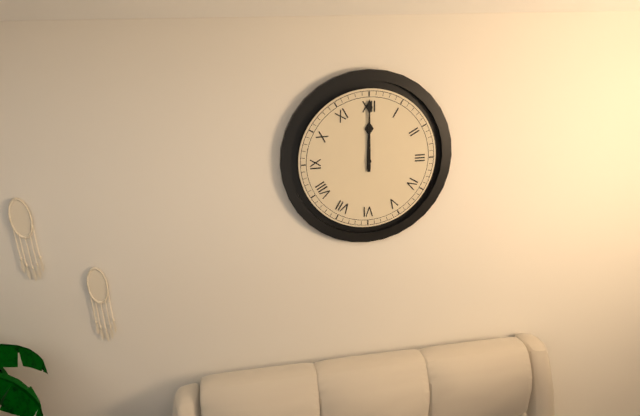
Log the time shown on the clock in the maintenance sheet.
12:00
